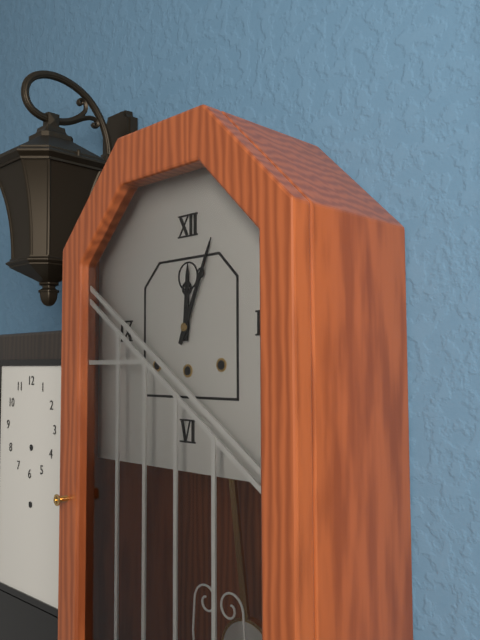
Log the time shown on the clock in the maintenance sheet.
12:04
